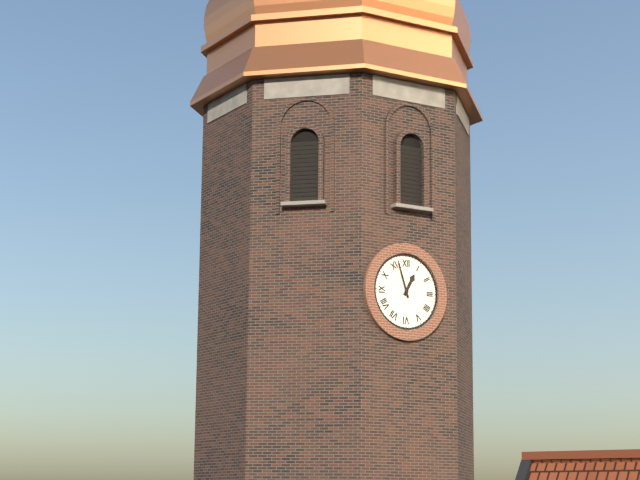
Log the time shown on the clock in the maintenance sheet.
12:57
